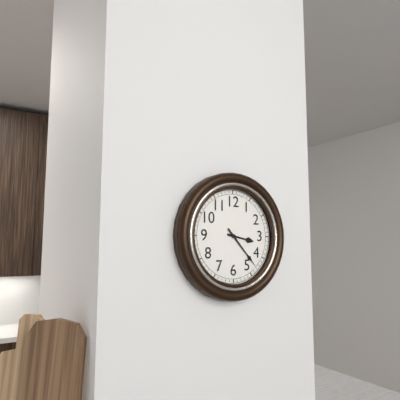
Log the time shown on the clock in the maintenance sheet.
3:23
